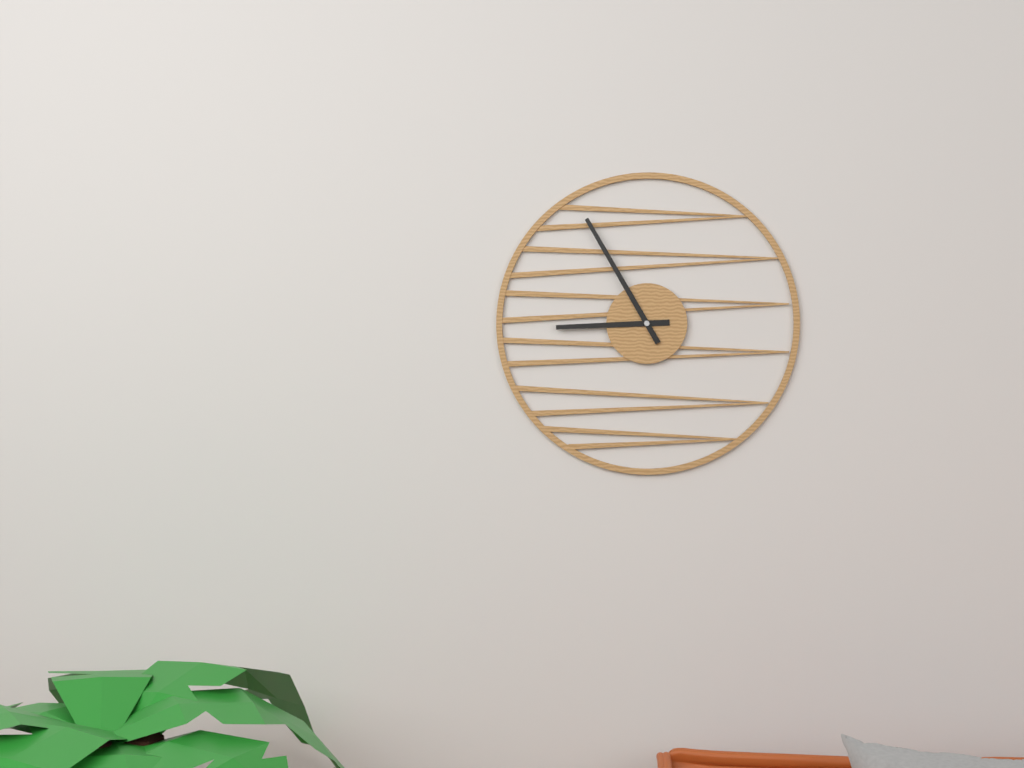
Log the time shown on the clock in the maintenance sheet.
8:55
